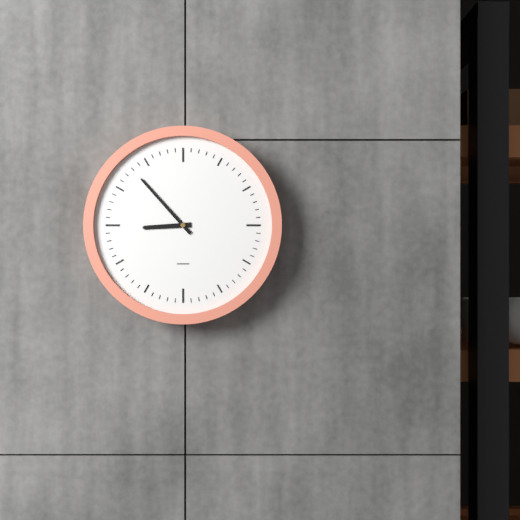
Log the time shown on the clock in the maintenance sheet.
8:53
